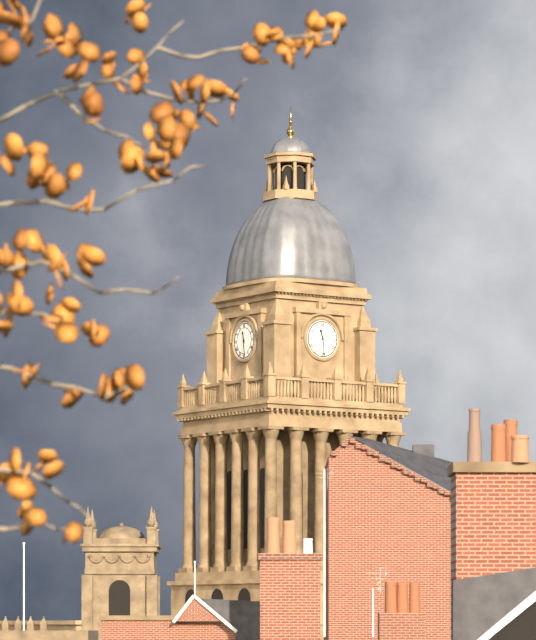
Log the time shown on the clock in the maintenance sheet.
11:29
